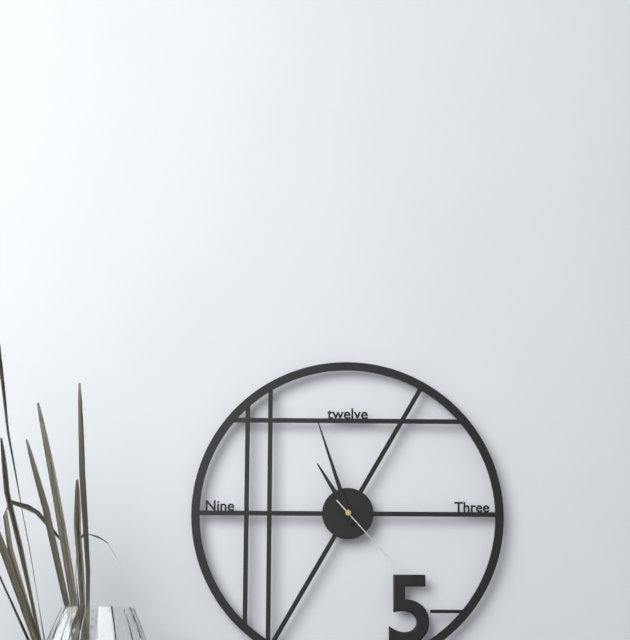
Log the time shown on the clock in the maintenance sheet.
10:57:23
